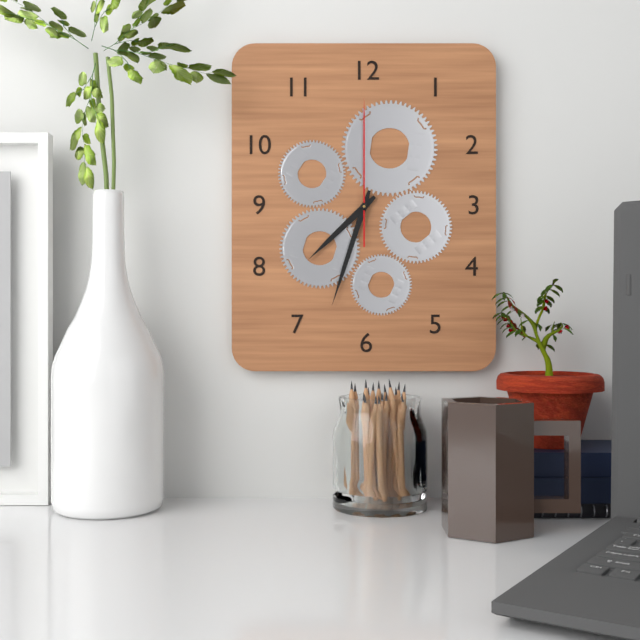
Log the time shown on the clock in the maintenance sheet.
7:33:00
